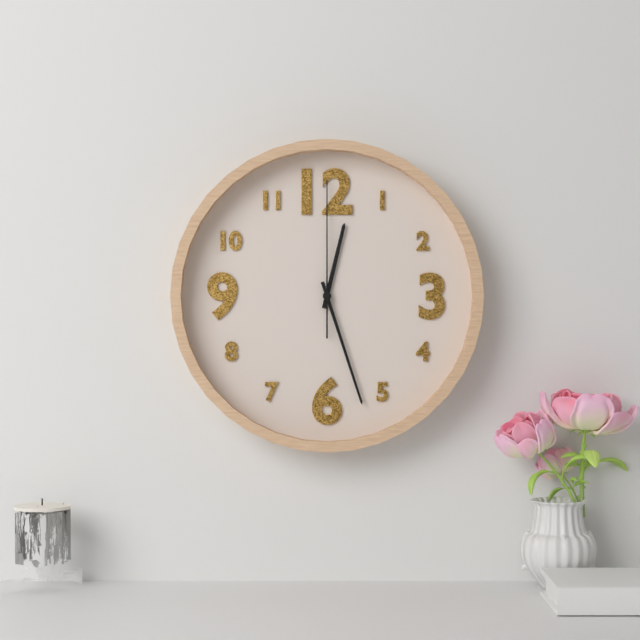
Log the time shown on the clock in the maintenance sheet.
12:27:00
